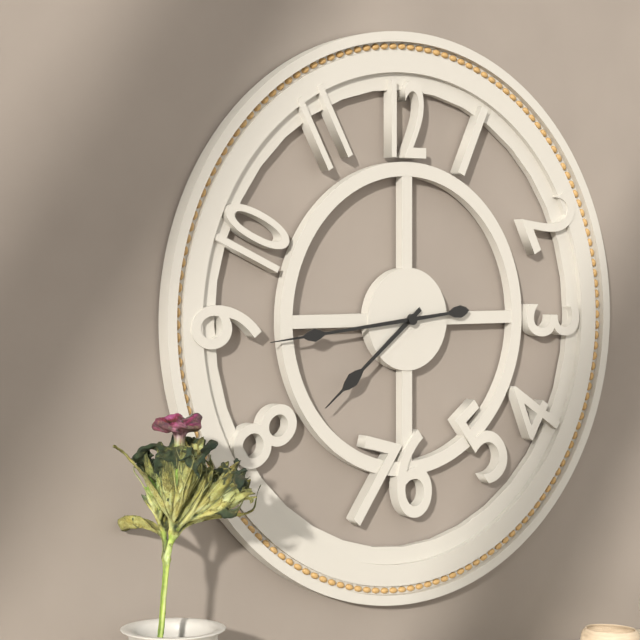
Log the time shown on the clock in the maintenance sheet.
7:44
